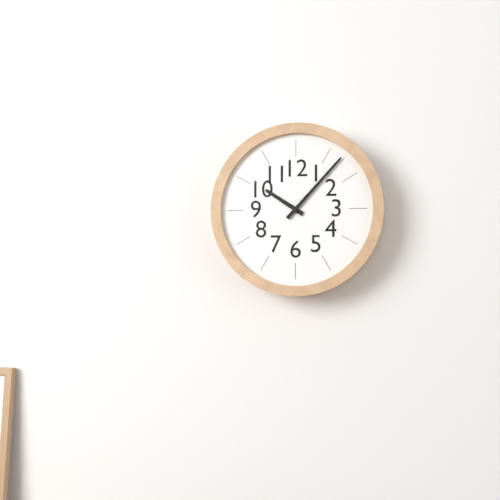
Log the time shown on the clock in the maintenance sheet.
10:07
